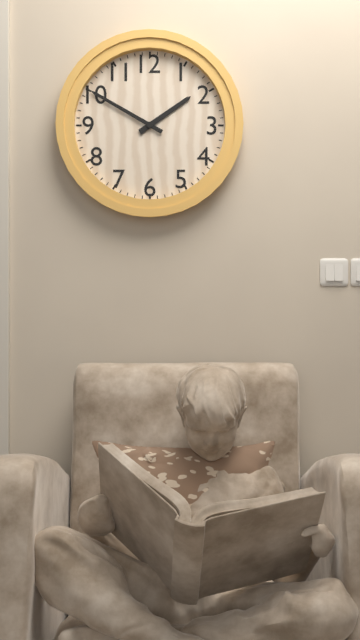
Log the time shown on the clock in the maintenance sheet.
1:50
